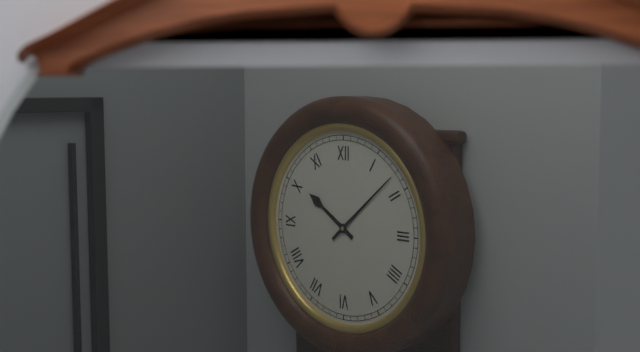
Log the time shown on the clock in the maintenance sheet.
10:08
